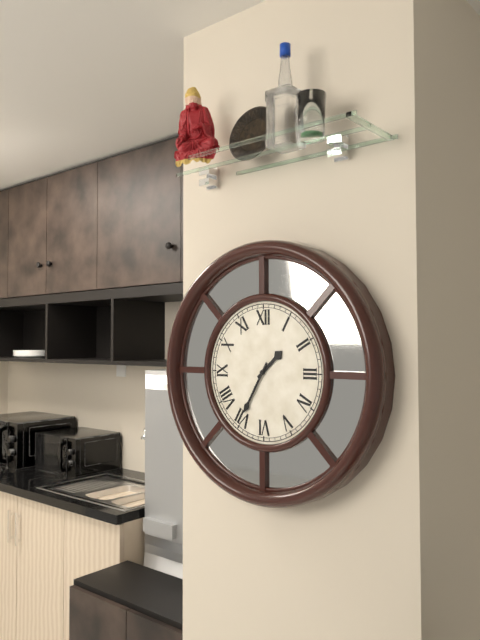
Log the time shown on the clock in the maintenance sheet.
1:35
